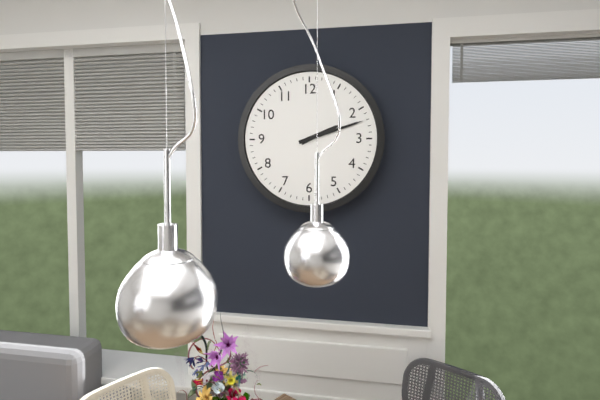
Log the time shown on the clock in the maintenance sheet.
2:12
